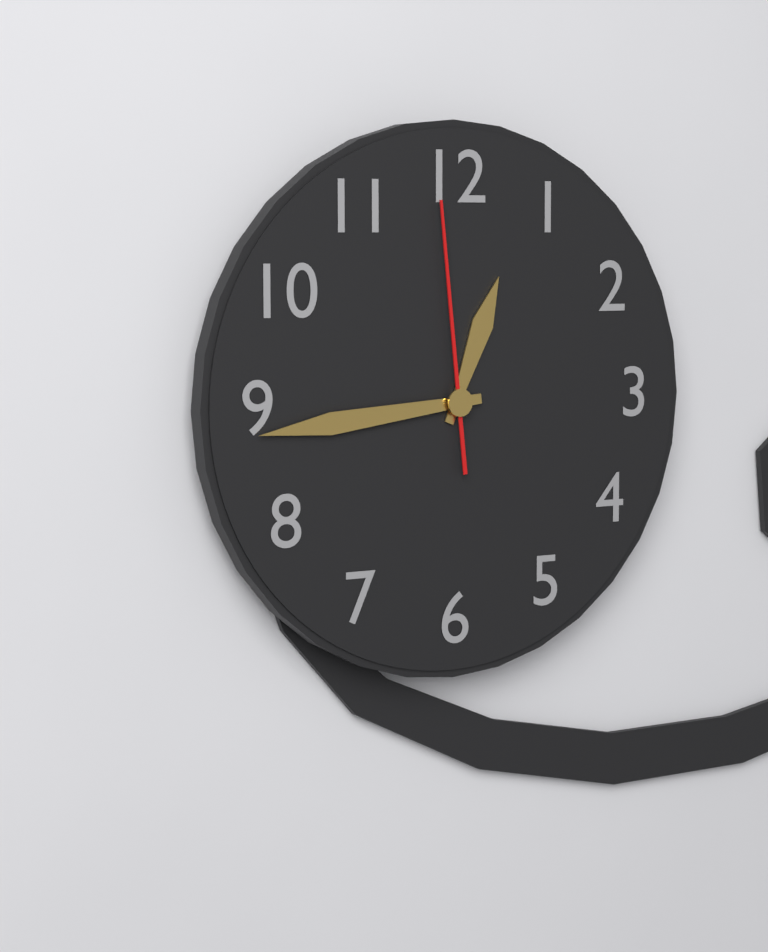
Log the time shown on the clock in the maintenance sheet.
12:44:59
